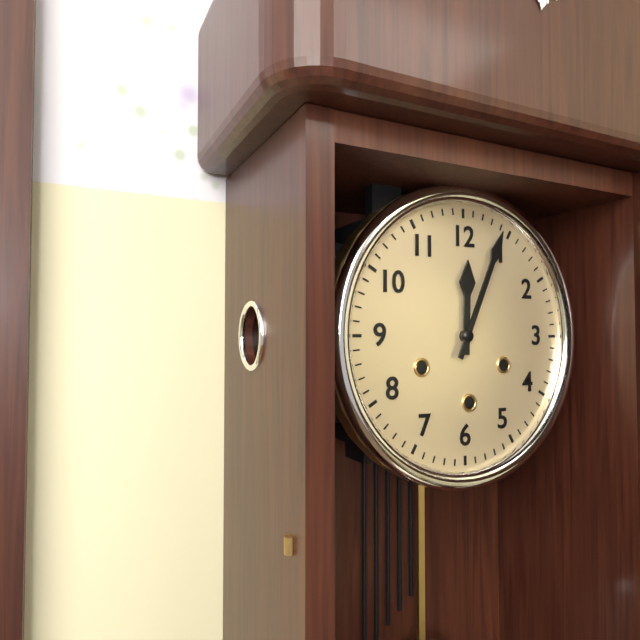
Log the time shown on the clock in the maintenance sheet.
12:04
